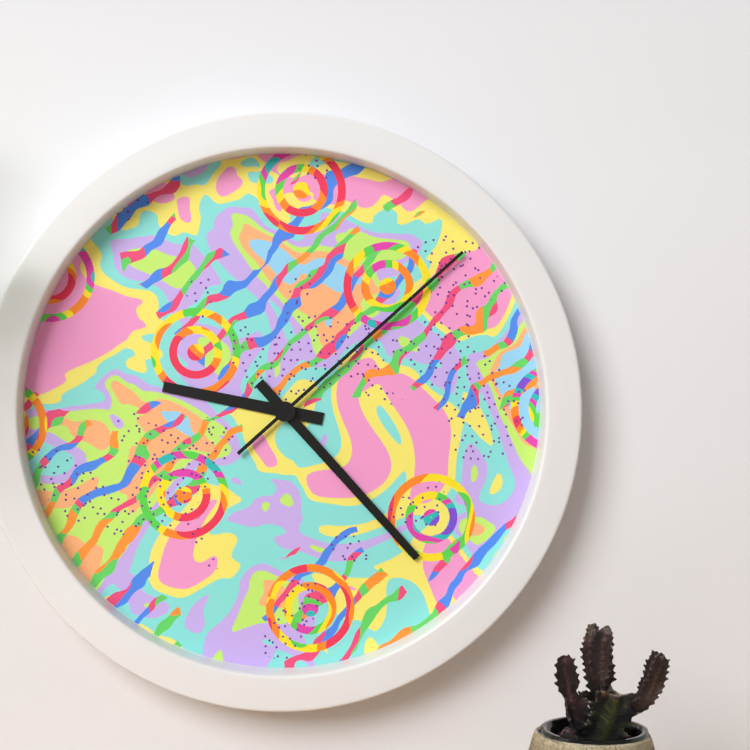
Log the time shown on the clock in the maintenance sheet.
9:23:08
